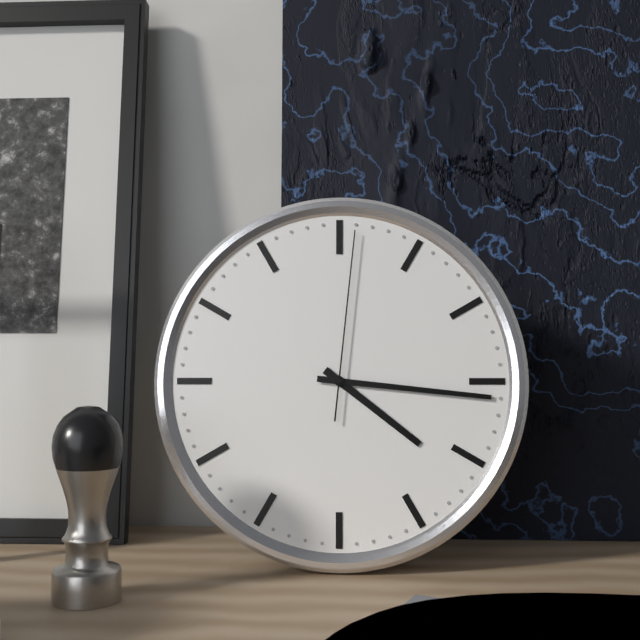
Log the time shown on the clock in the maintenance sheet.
4:16:01
